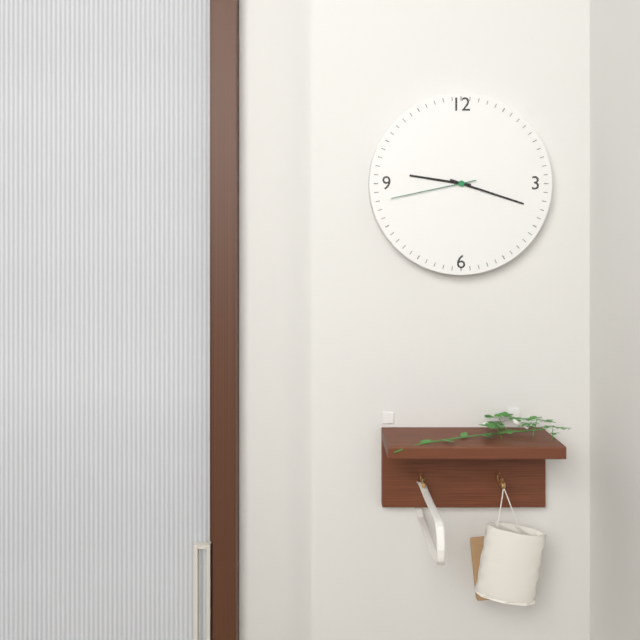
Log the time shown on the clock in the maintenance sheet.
9:18:43
